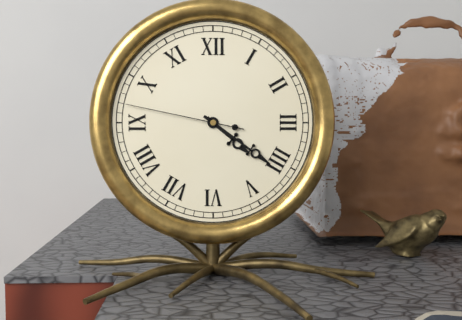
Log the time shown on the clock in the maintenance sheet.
4:21:47
